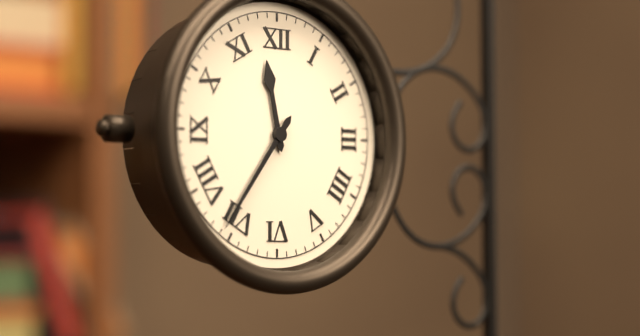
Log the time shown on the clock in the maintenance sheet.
11:36
